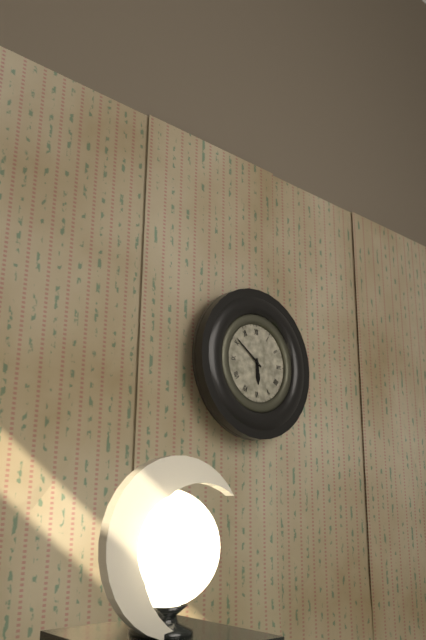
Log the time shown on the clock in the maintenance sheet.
5:51
